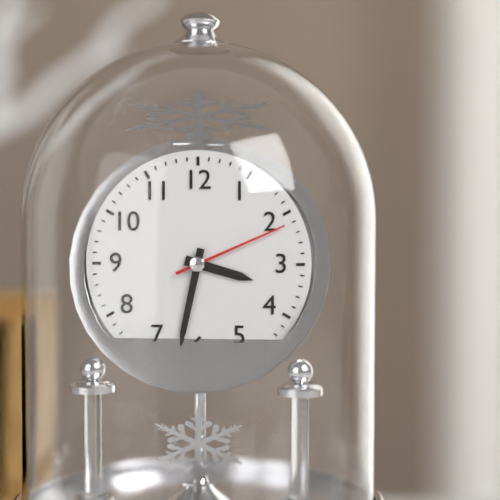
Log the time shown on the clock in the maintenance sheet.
3:32:11
